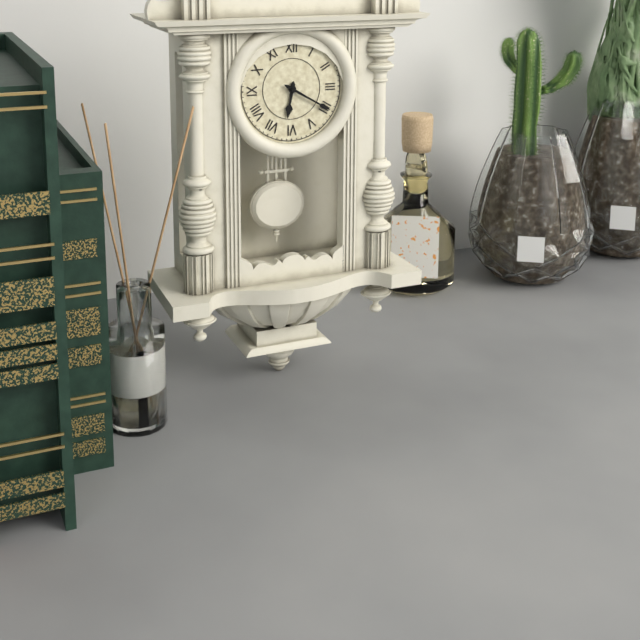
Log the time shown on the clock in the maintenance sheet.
6:20
